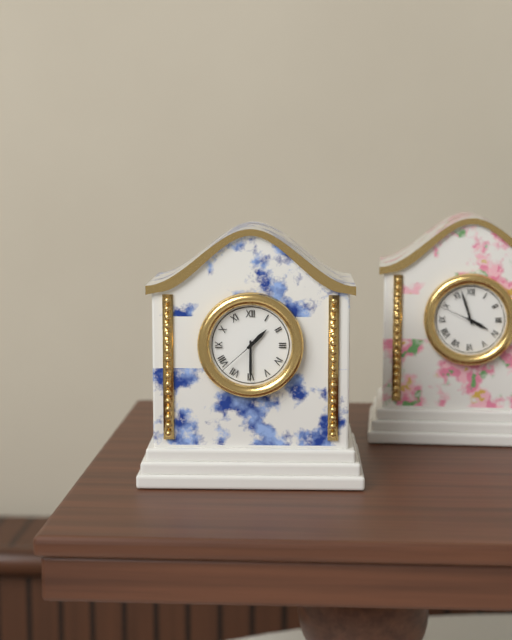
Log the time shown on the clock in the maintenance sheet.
1:30
